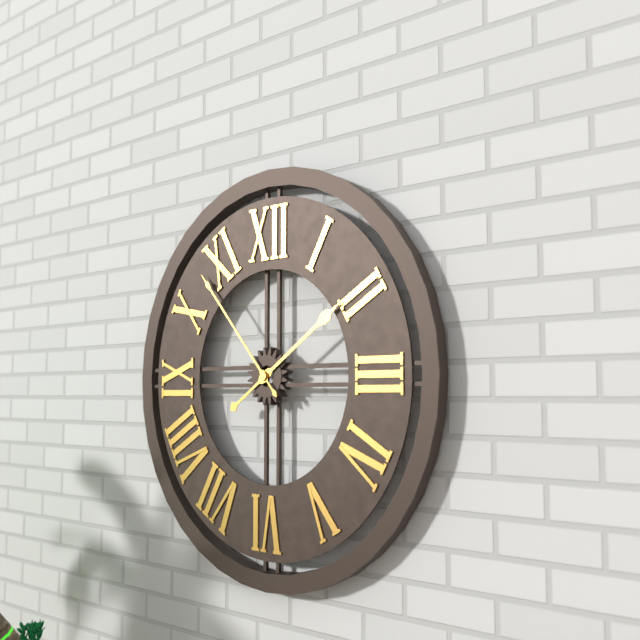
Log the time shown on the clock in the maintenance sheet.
1:53
